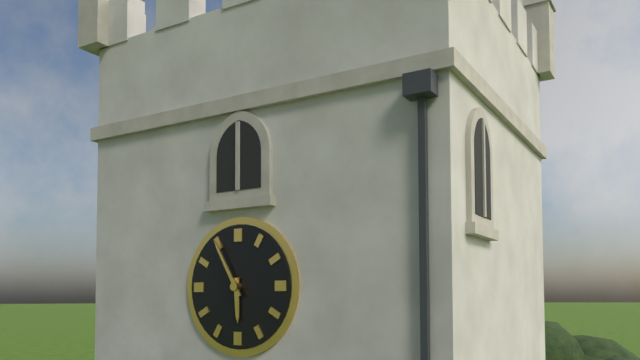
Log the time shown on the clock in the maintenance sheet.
5:55
